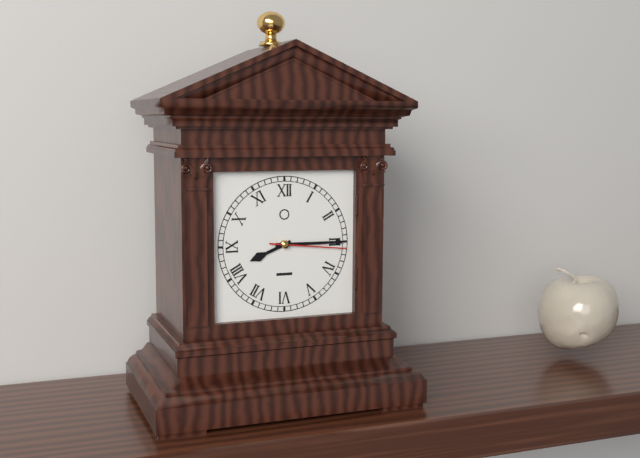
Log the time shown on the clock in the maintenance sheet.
8:15:16
